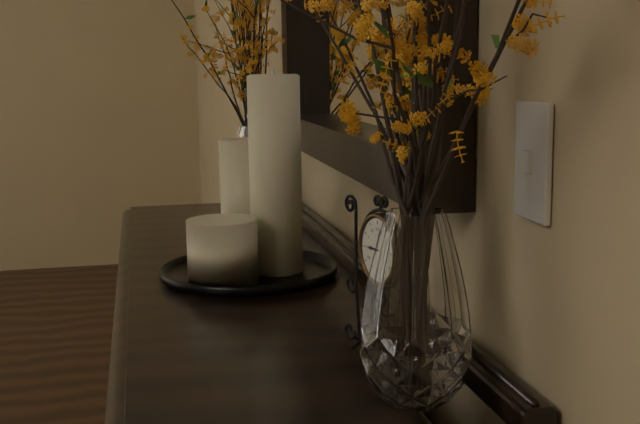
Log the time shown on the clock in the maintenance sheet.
9:03
